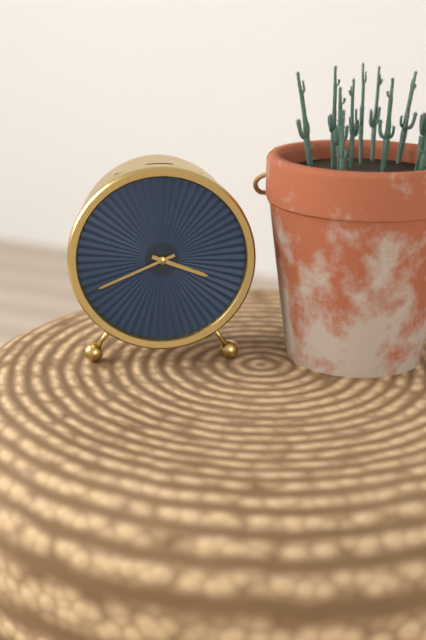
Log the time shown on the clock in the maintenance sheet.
3:41
